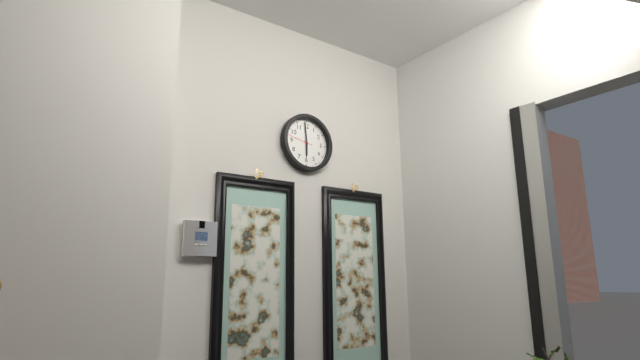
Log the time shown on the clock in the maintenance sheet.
5:59
